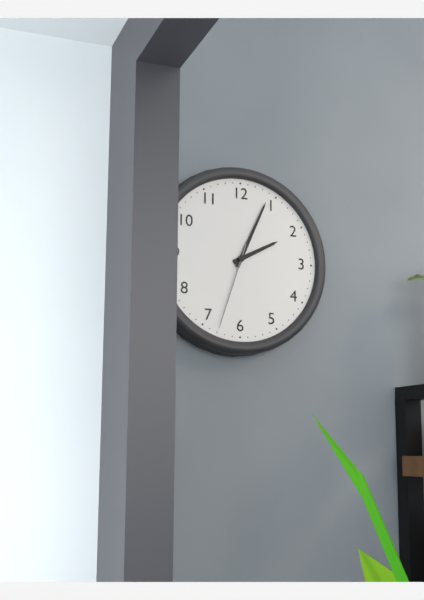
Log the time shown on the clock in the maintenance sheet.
2:04:33
